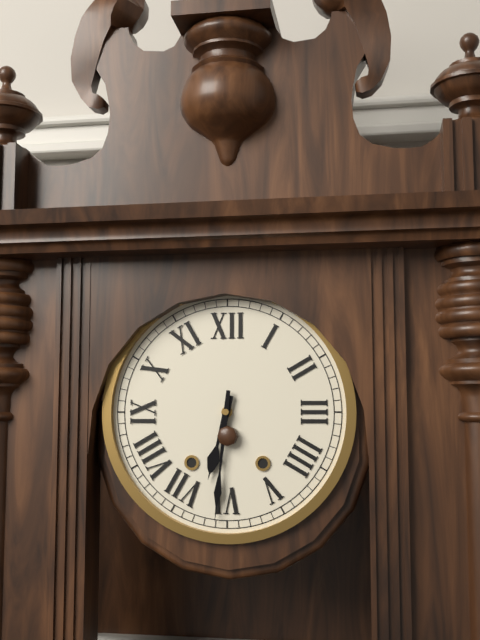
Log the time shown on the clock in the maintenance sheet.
6:31
